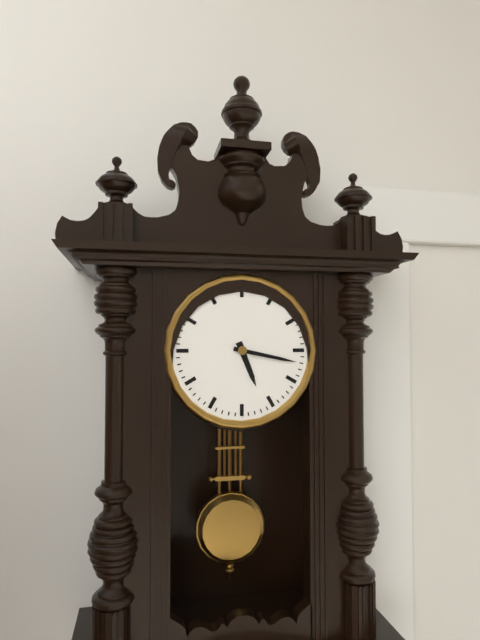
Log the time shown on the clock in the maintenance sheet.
5:17
